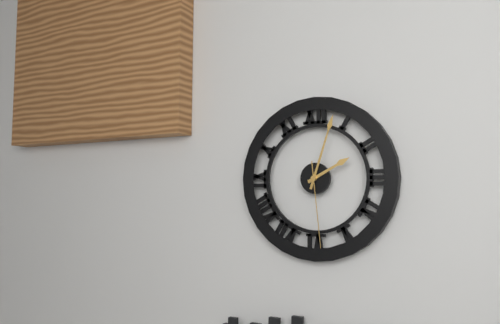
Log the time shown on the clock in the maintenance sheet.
2:03:29
